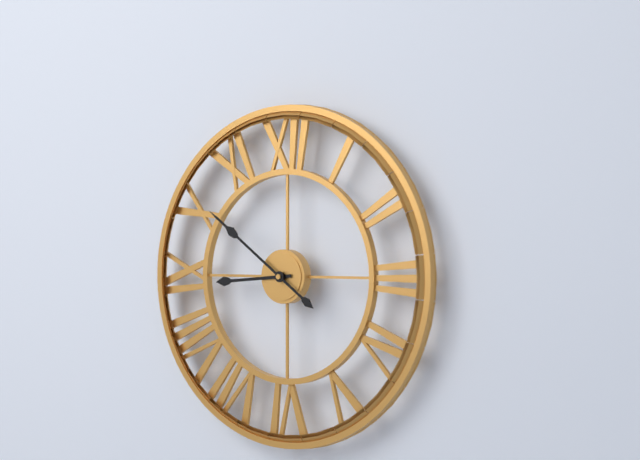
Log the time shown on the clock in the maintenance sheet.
8:51
